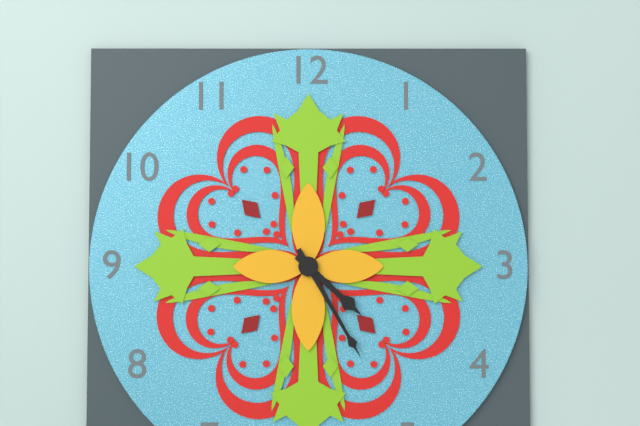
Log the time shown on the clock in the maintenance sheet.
4:25
